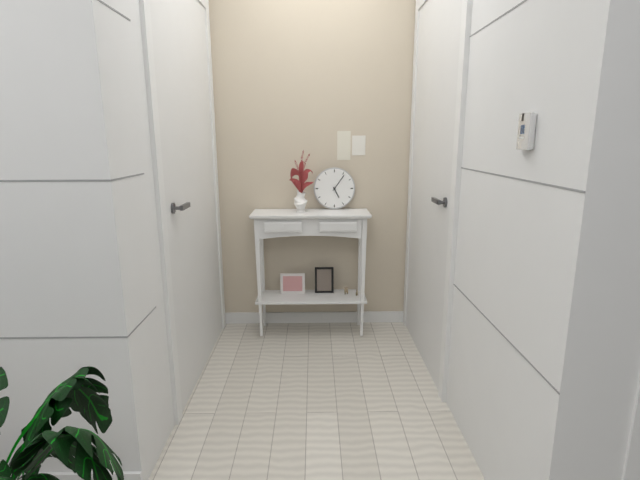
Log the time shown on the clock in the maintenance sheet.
5:06
